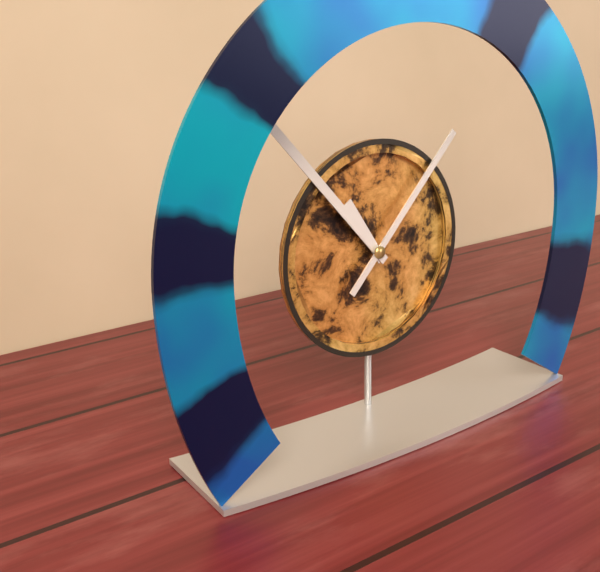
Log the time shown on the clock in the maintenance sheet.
10:53:07
